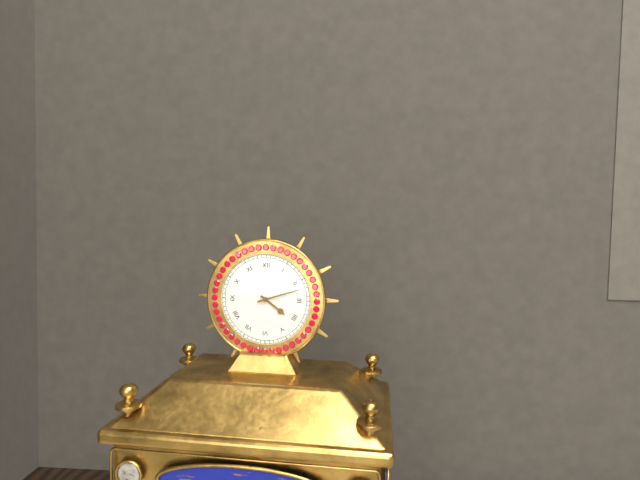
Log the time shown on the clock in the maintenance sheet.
4:12
